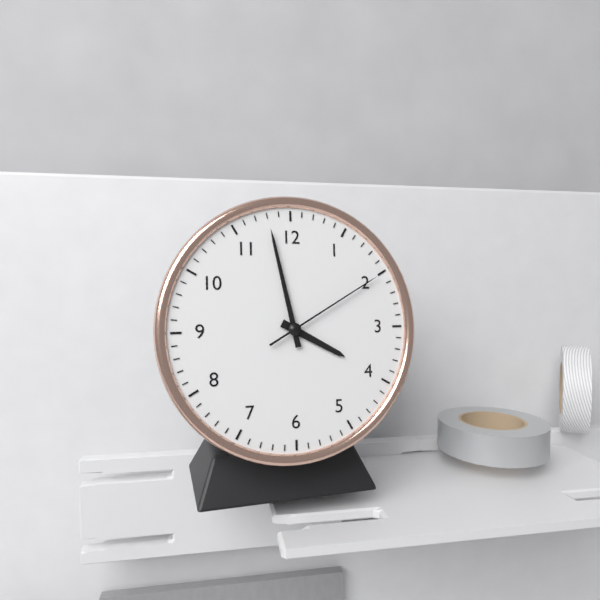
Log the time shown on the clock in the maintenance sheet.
3:58:10
